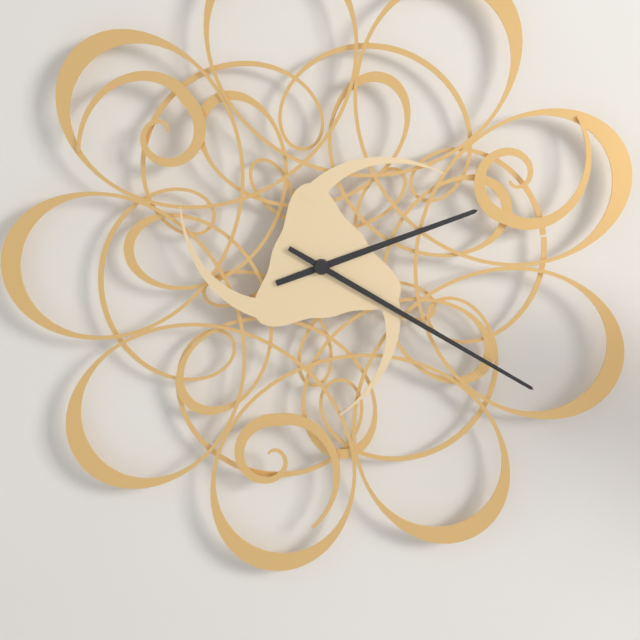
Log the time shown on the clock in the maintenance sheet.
2:20
